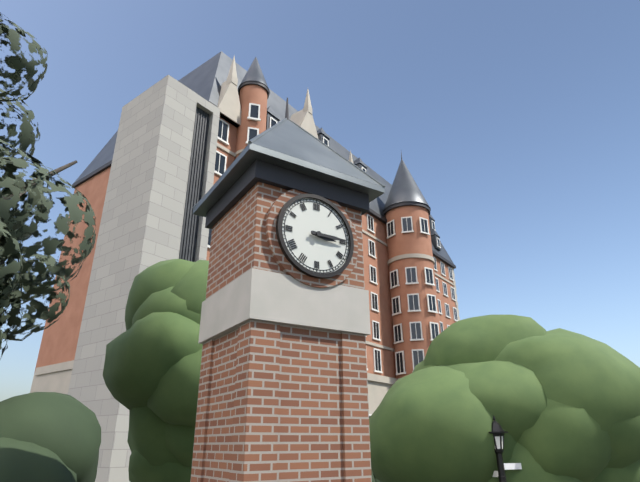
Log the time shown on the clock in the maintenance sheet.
3:15
